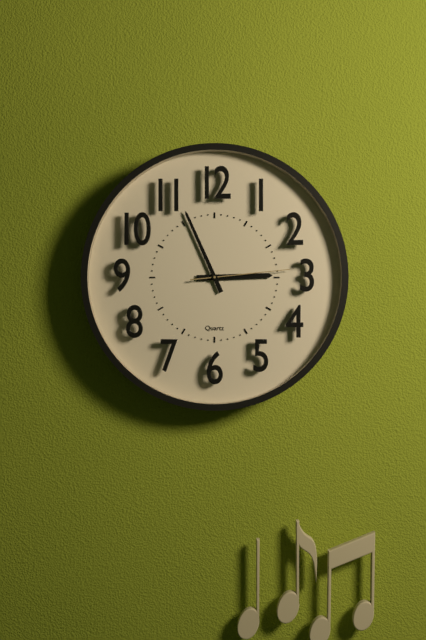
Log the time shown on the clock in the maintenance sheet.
2:56:14
